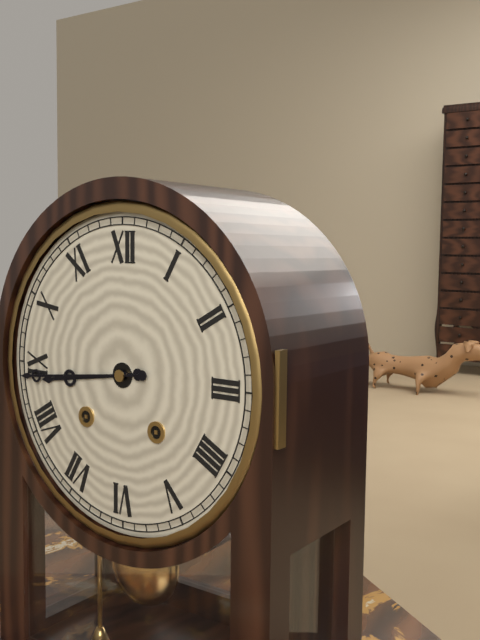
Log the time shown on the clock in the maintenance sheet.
8:44
